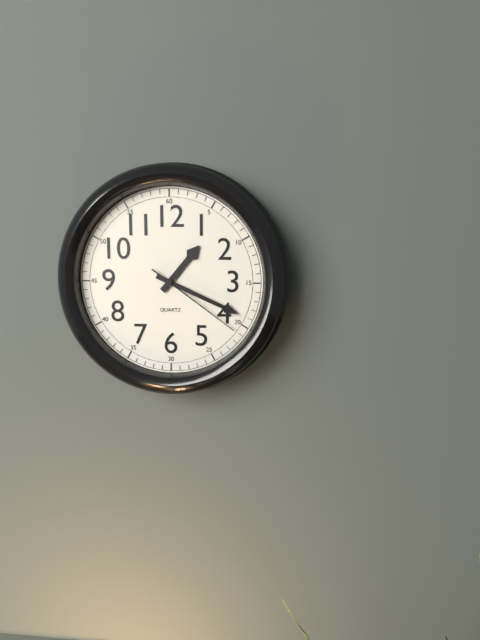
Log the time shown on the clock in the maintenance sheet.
1:19:21
